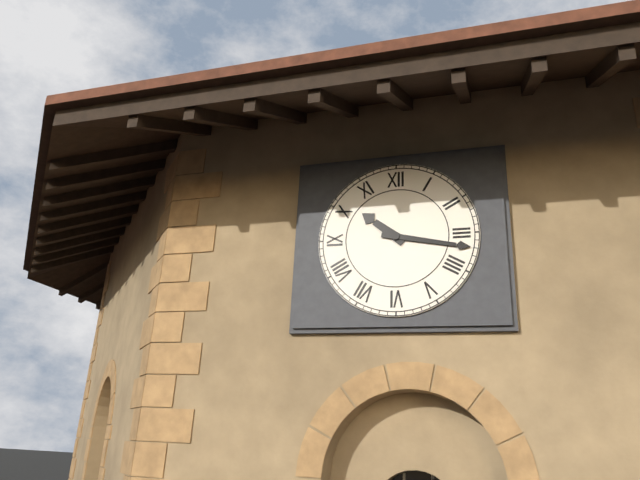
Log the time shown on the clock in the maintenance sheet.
10:17
